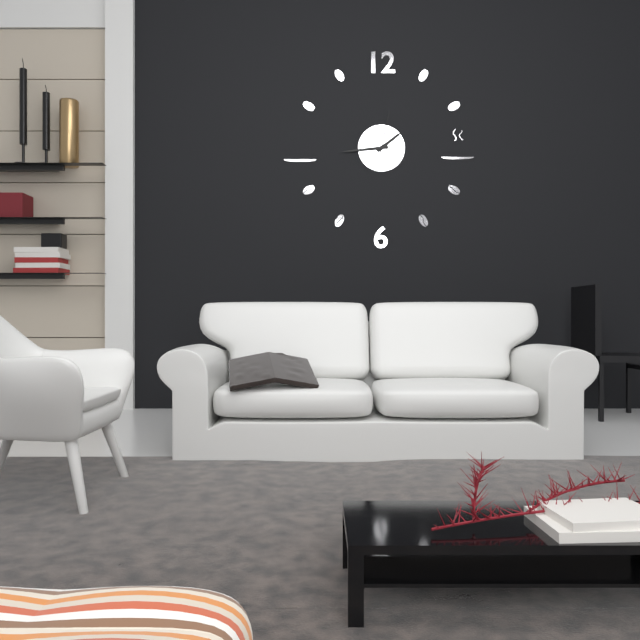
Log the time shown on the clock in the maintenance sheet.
1:44
